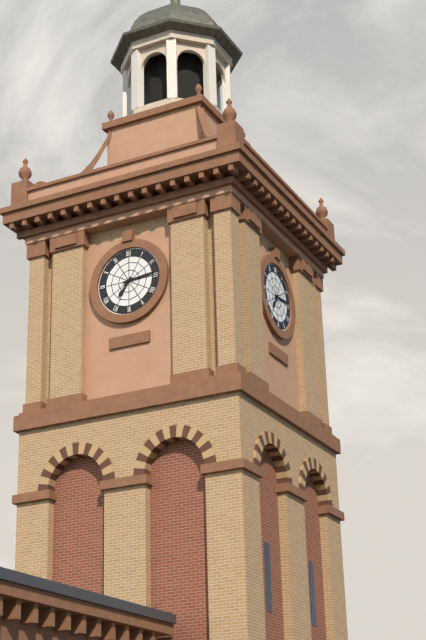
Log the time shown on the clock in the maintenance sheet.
7:14
